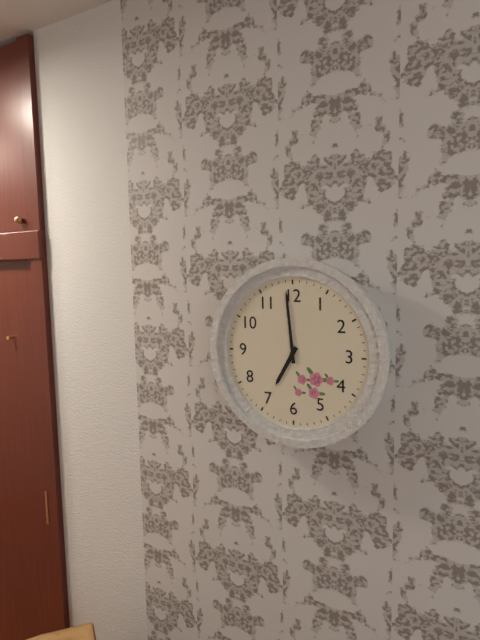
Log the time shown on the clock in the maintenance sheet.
6:59
